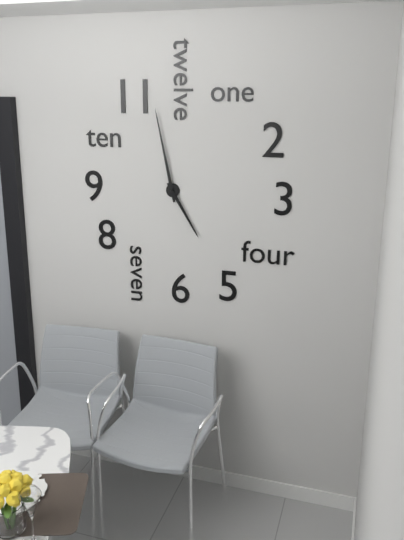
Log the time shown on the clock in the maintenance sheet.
4:58
